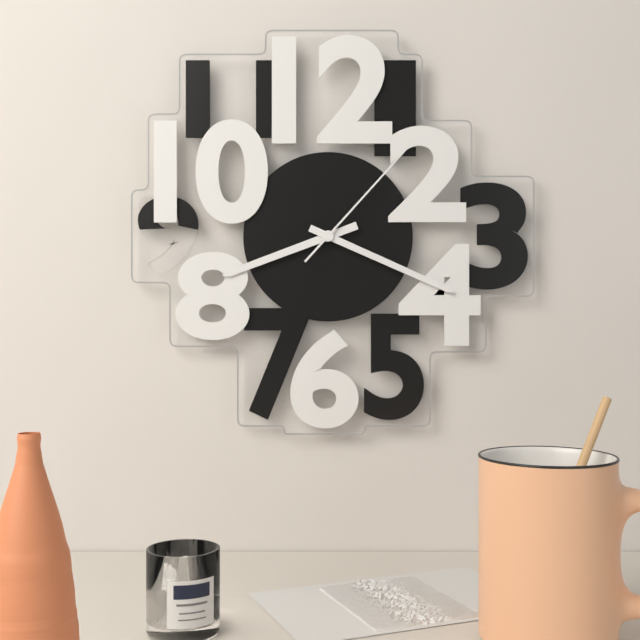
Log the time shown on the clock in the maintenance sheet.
8:19:07
